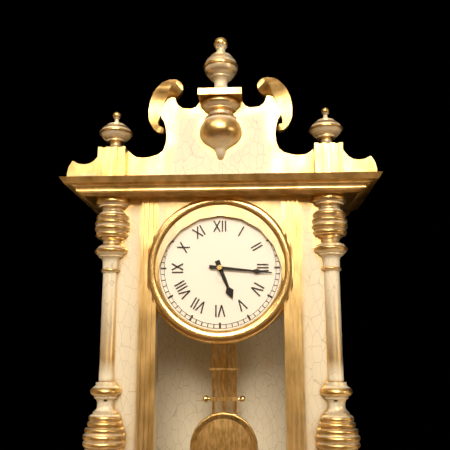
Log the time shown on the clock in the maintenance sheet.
5:16
